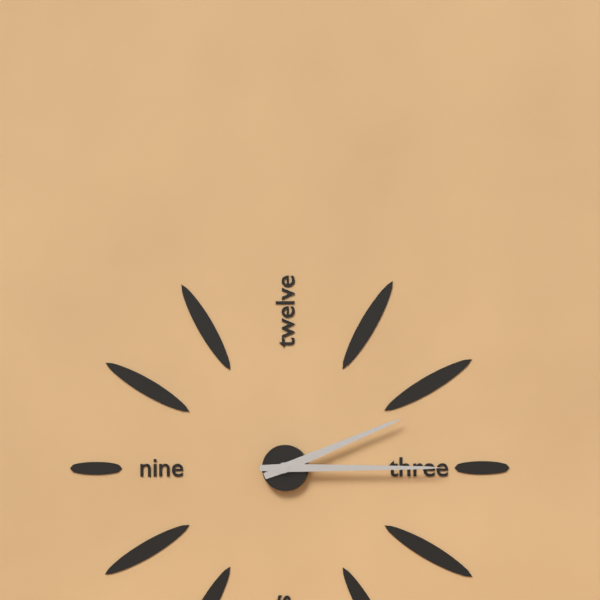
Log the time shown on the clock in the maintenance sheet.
2:15
